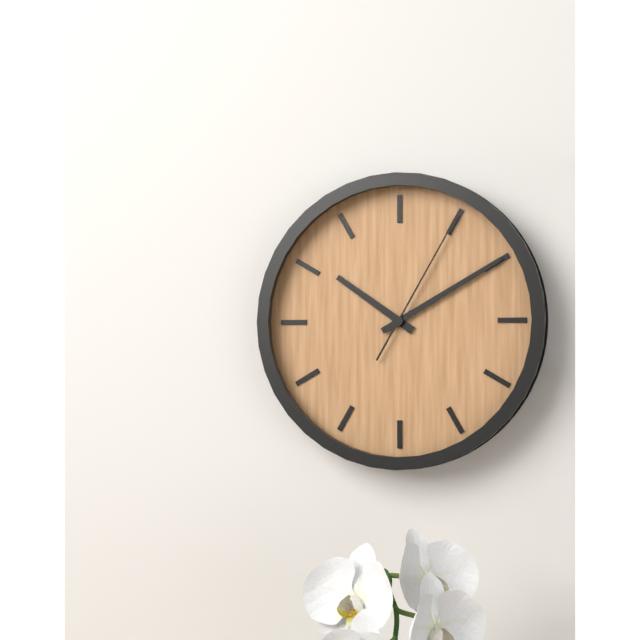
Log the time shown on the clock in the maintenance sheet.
10:10:05
